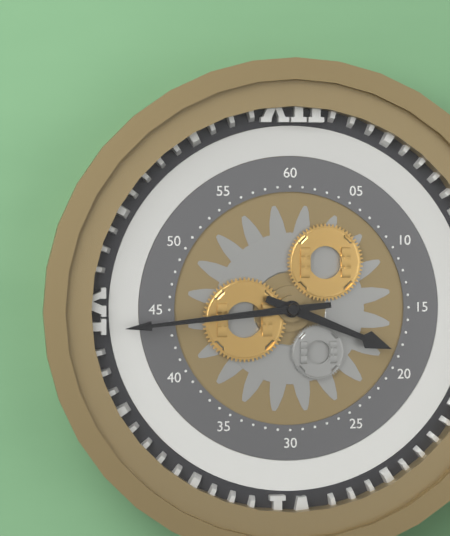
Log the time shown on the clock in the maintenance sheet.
3:44
